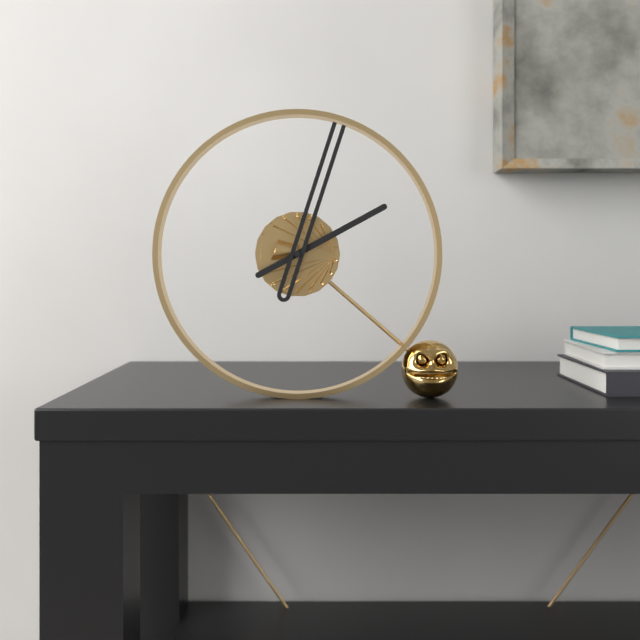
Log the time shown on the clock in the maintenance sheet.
2:03
